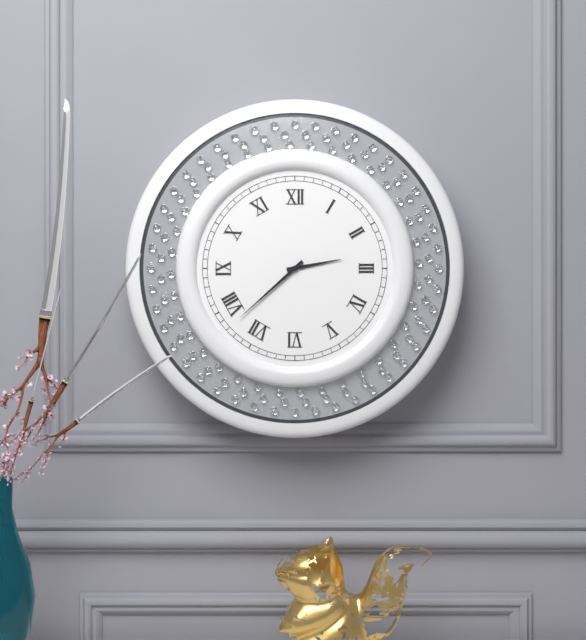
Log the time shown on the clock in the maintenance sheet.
2:38
